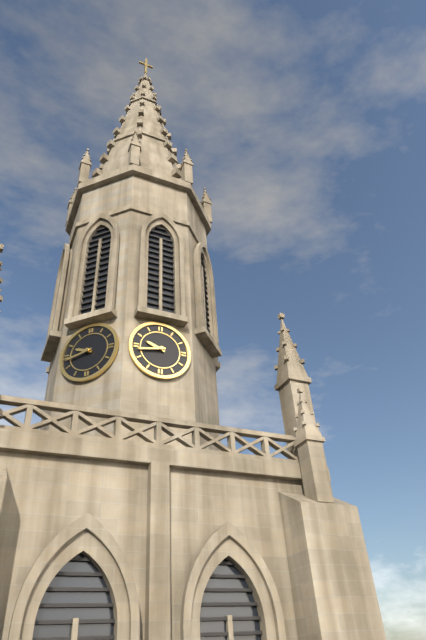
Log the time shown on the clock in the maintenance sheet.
9:43
